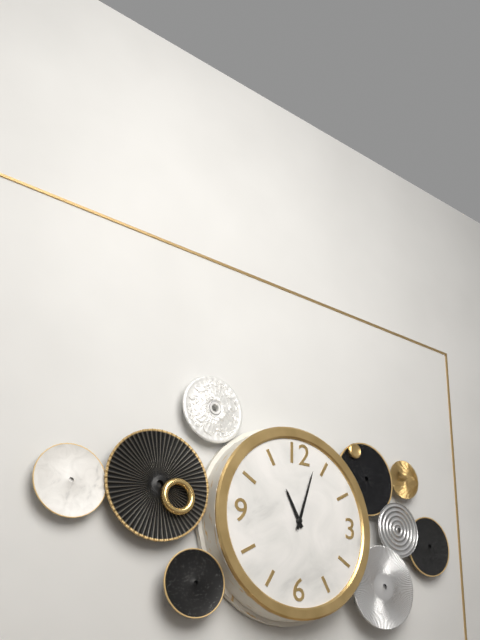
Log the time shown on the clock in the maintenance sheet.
11:03
